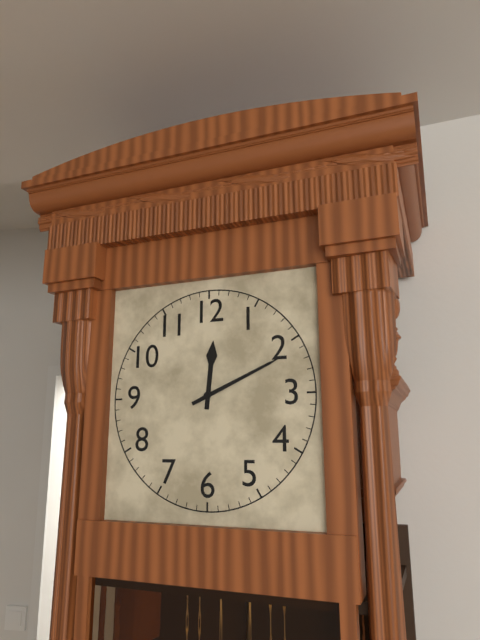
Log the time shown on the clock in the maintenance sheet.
12:11
